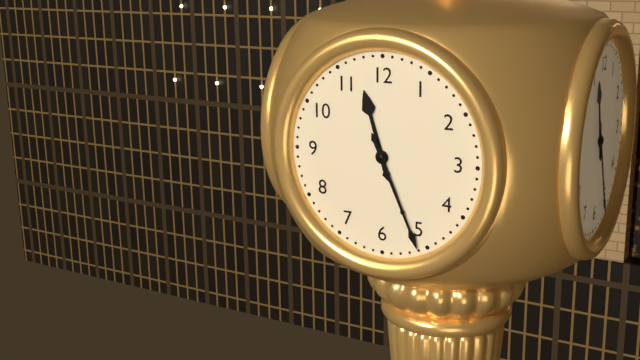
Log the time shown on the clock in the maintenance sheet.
11:26
